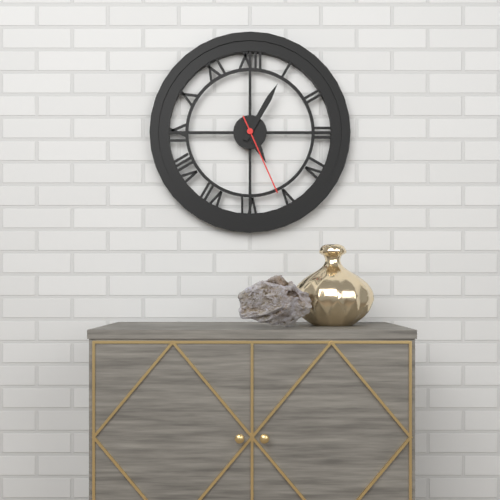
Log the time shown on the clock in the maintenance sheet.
5:05:26
